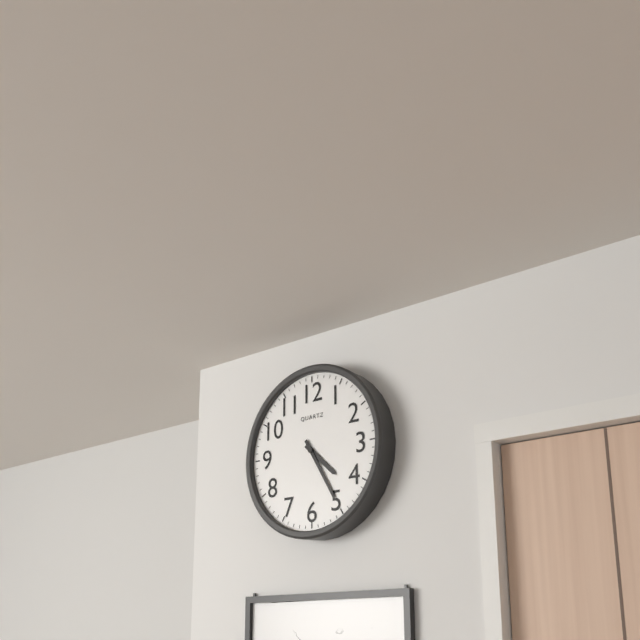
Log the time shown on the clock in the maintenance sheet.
4:25
